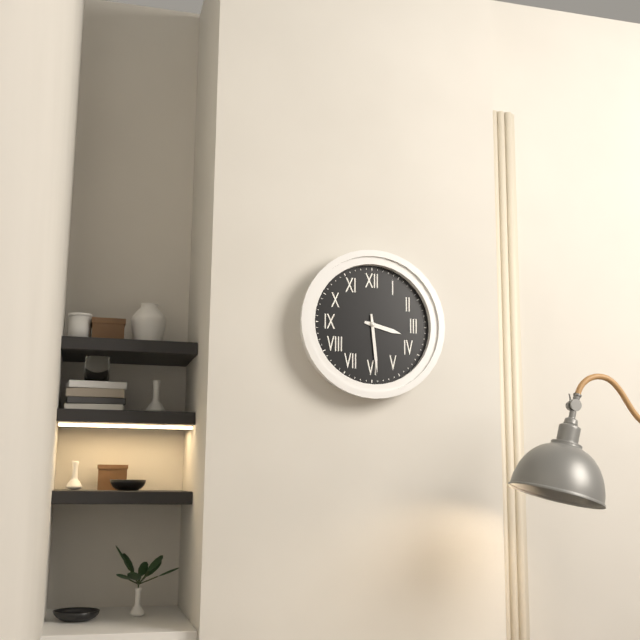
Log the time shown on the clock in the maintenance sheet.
3:29
